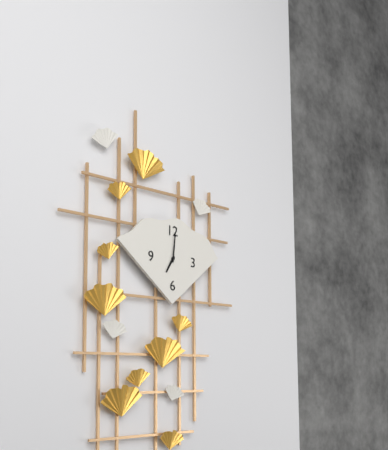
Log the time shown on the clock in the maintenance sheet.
7:01
